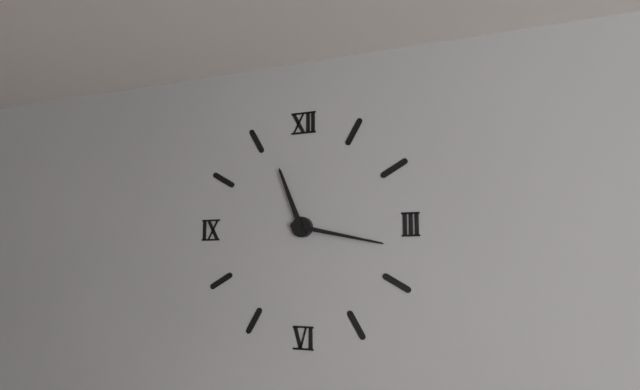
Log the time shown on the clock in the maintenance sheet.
11:17
